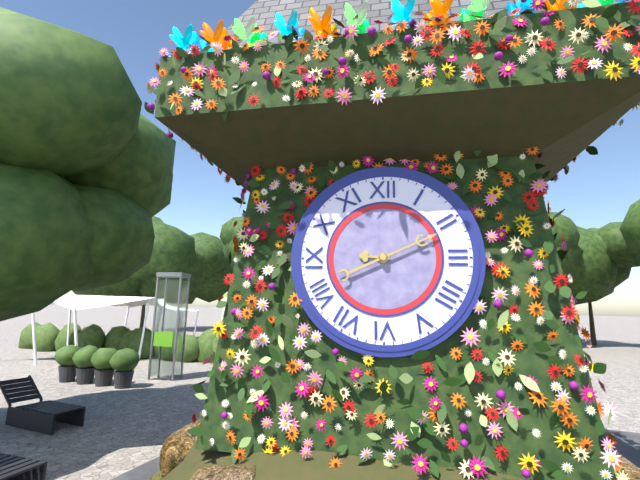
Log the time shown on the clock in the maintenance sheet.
9:11
